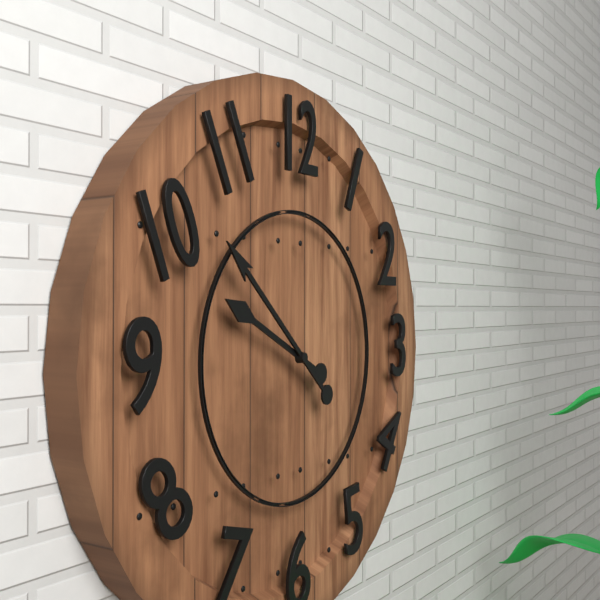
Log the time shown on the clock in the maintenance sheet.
9:52
